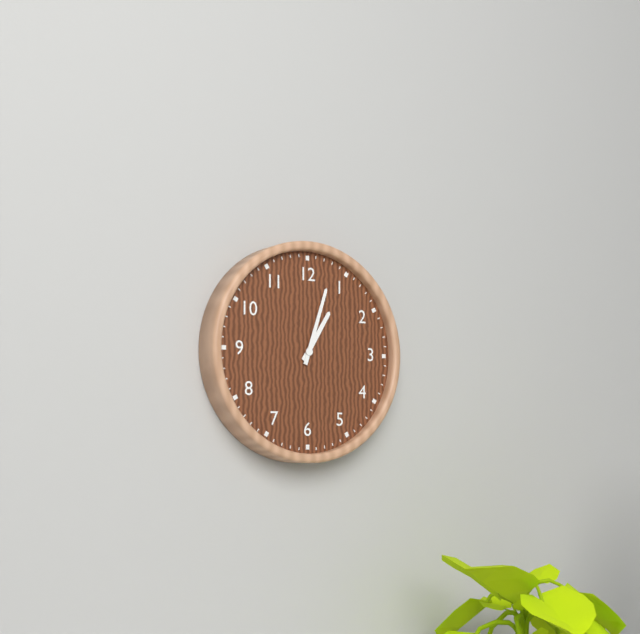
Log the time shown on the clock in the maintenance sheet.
1:03
